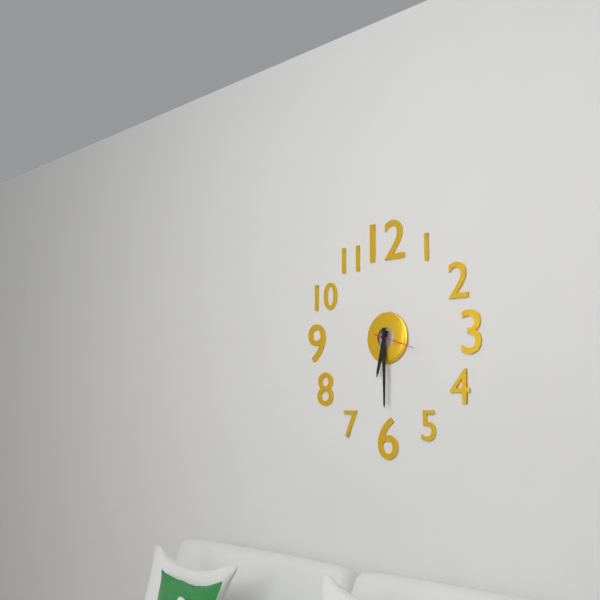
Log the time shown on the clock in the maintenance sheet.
6:30
